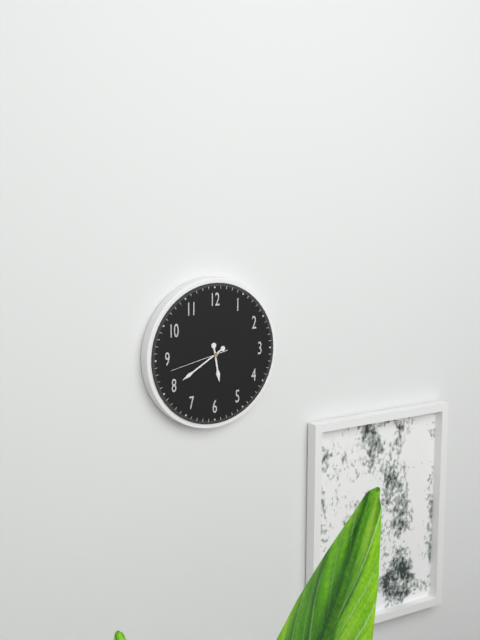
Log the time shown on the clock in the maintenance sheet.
5:40:43
